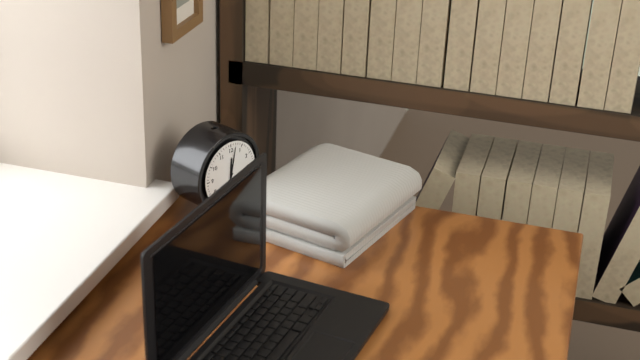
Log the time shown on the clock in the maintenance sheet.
12:02
